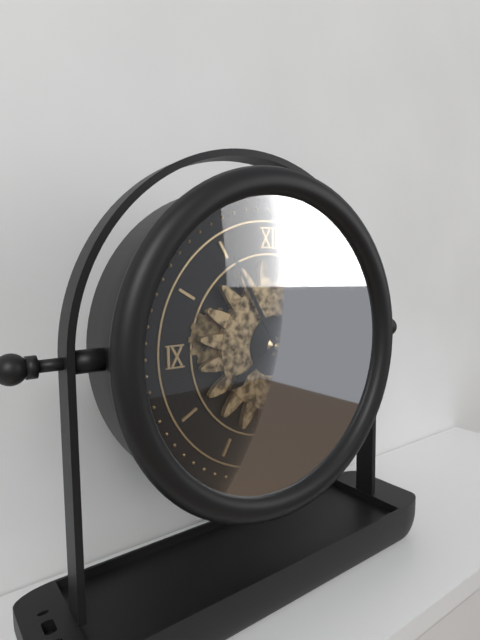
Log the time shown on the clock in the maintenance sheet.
7:55
